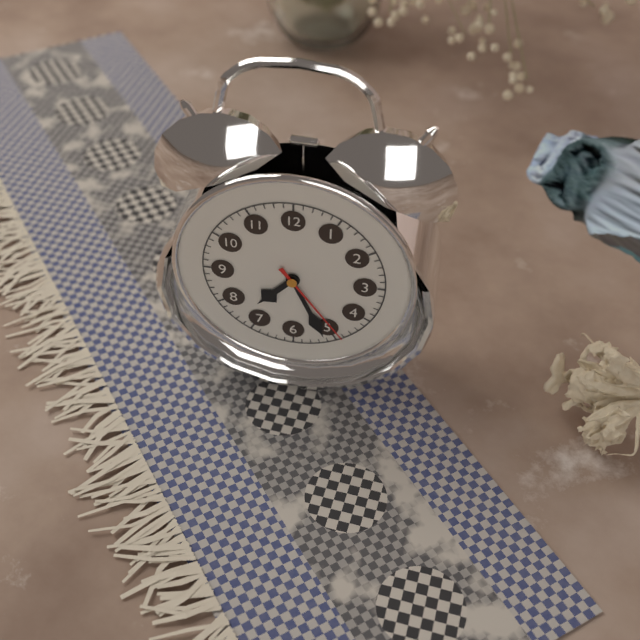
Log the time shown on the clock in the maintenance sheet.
7:26:24
